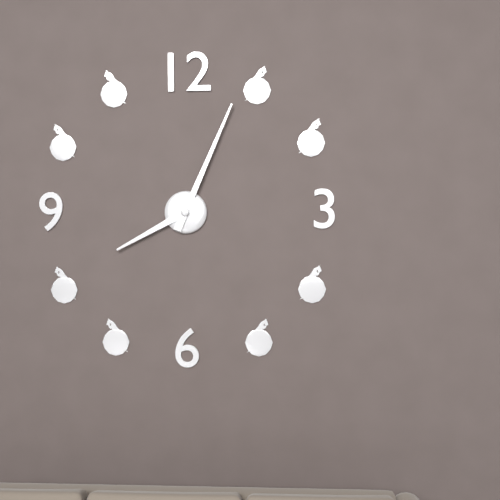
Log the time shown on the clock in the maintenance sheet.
8:04
